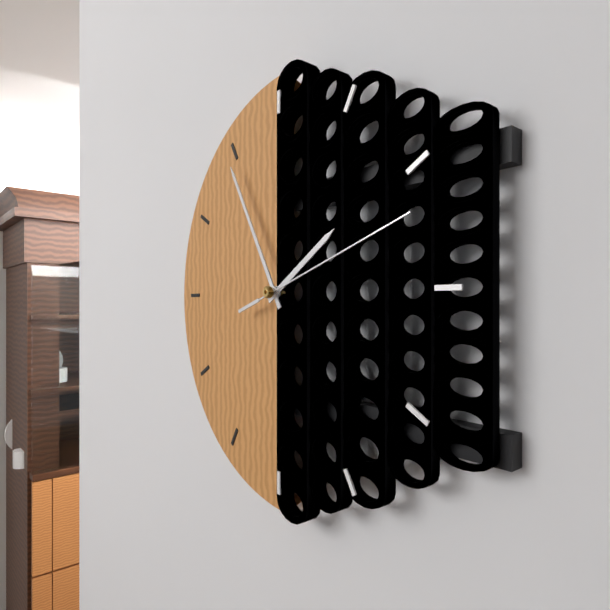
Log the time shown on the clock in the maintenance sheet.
1:55:12
